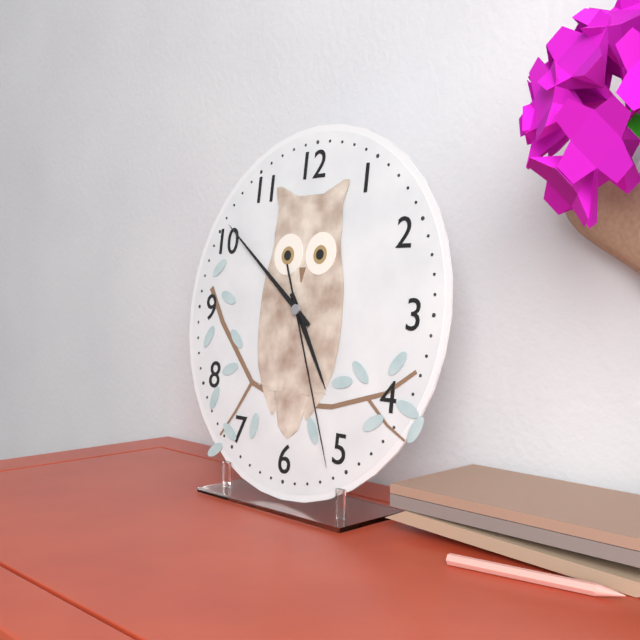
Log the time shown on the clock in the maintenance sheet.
4:51:26
